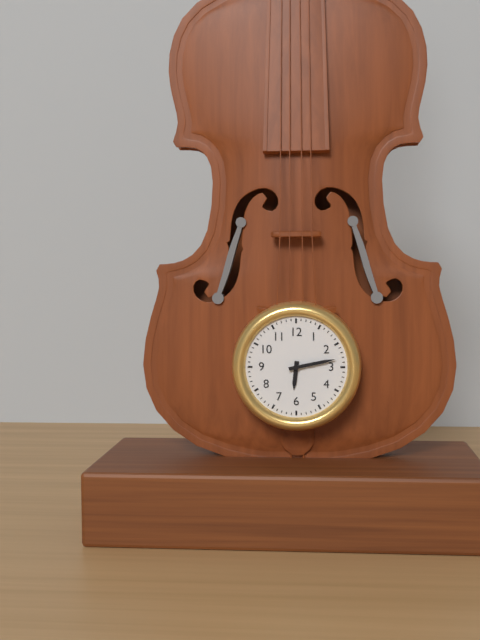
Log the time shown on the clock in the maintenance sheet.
6:13
